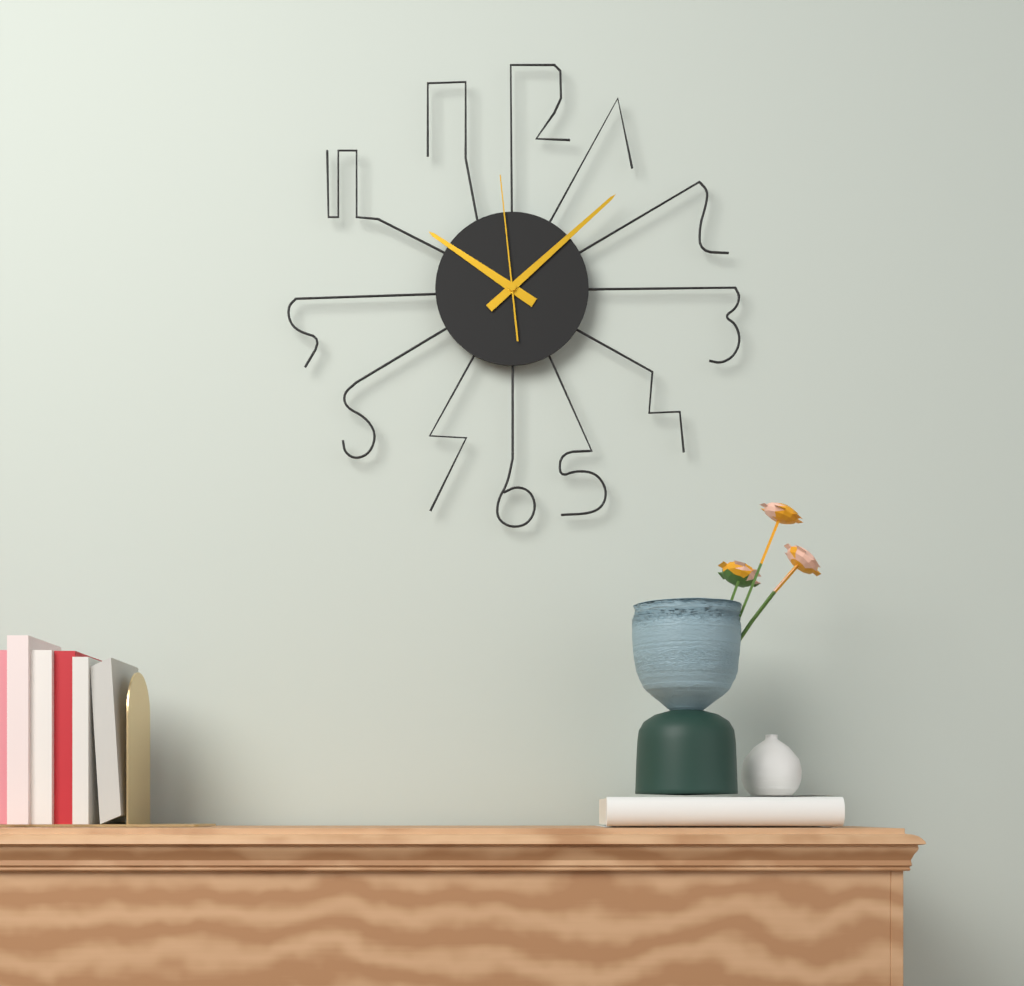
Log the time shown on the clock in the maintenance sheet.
10:08:59
